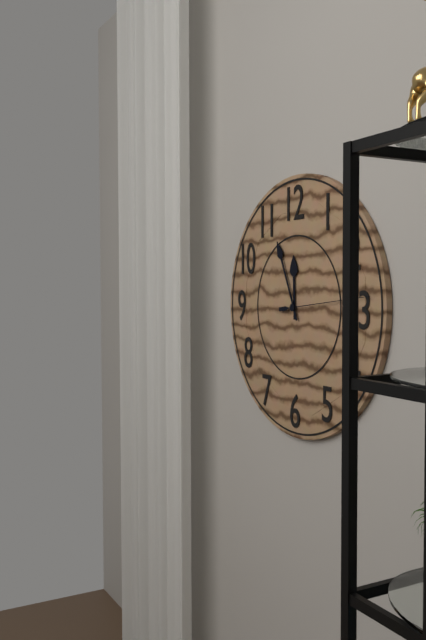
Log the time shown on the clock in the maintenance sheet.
11:56:14
